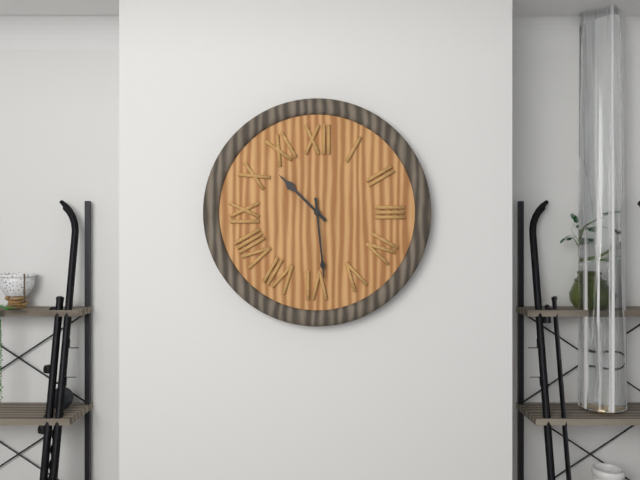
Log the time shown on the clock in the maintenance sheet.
10:29
